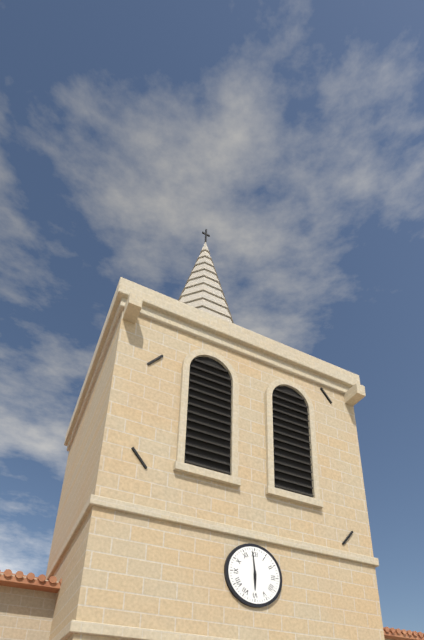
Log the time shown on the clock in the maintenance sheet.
5:59
